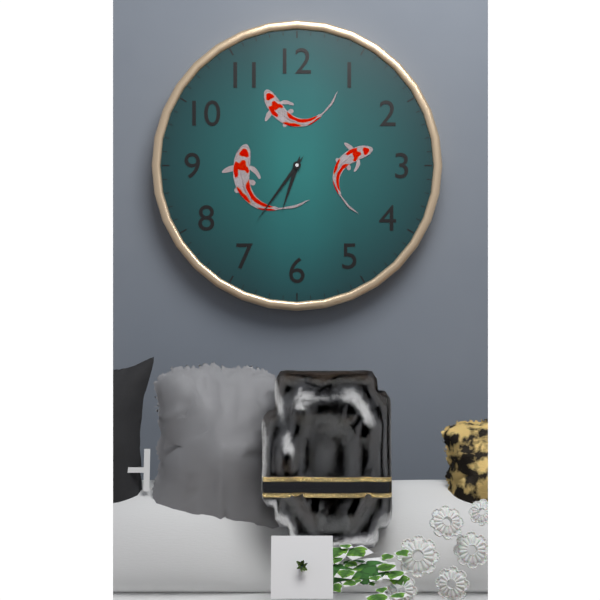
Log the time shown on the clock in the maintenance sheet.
6:36
